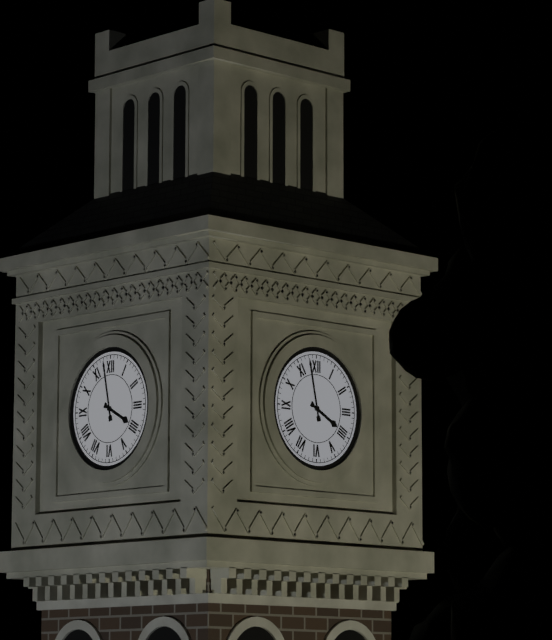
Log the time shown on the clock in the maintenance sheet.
3:58
